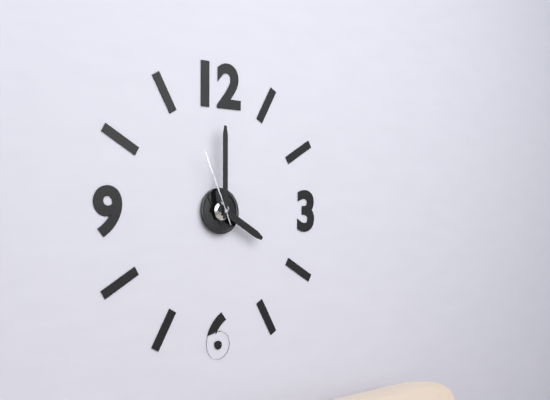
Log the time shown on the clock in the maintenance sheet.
4:00:56
